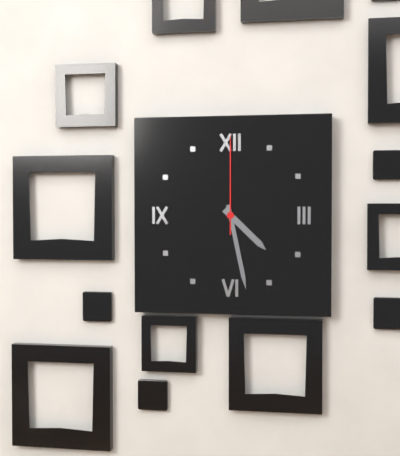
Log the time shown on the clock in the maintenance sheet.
4:28:00
